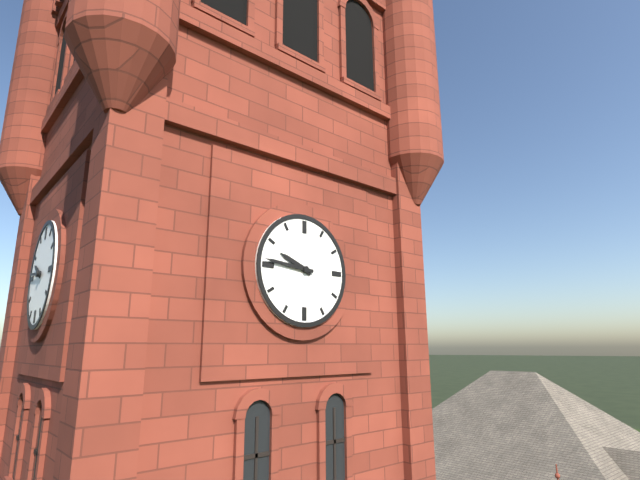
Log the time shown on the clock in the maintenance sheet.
9:46
